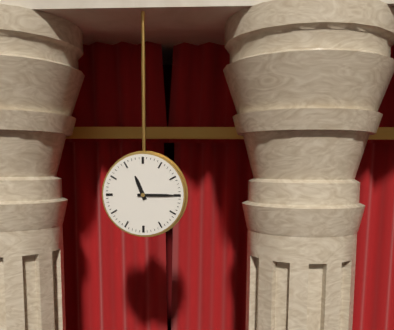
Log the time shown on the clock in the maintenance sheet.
11:15
